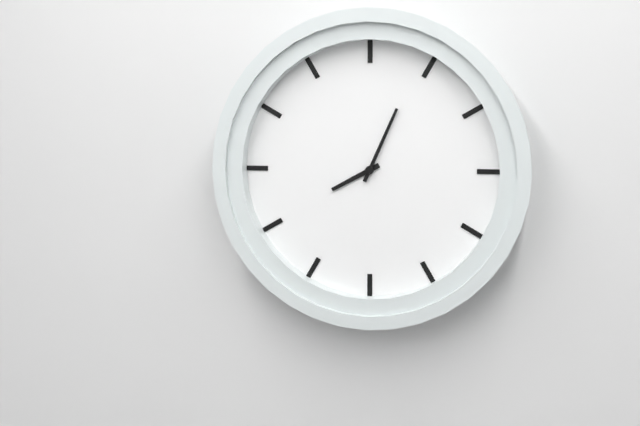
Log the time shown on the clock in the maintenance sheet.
8:04
